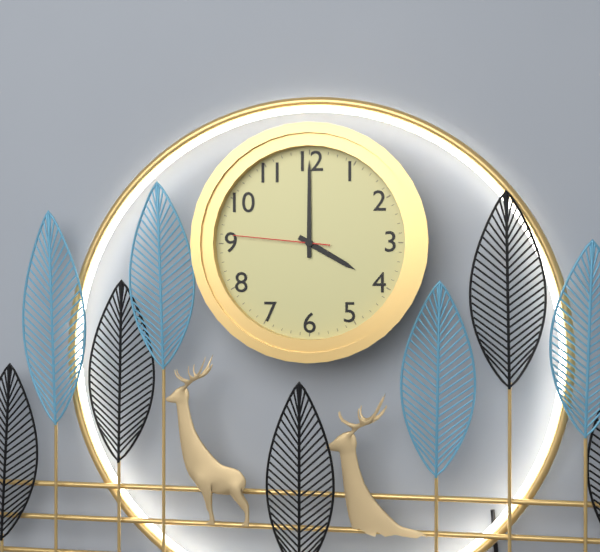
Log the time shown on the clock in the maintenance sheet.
4:00:46
